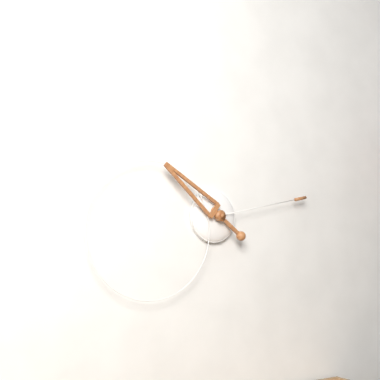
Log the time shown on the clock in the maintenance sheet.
10:13
